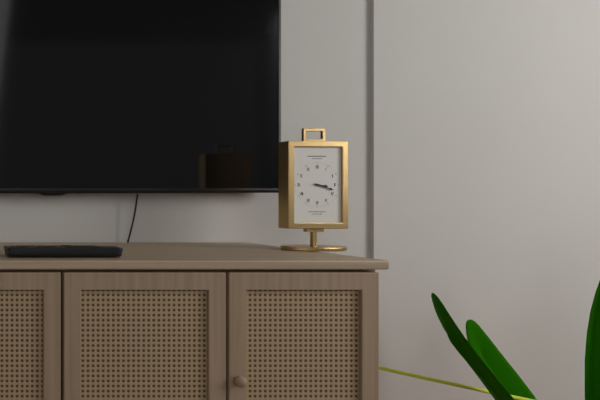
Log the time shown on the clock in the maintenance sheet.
3:18
